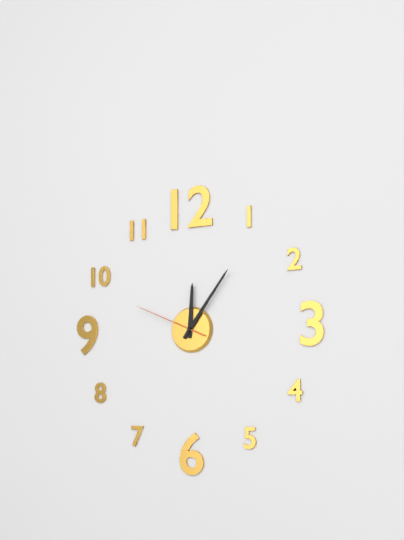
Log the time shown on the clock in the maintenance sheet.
12:06:49
